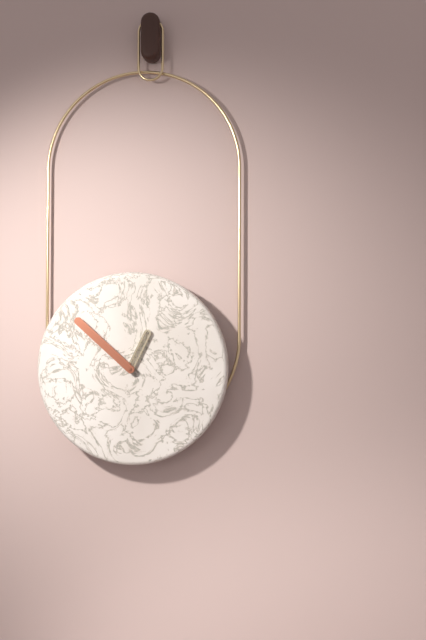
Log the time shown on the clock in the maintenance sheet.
12:52
